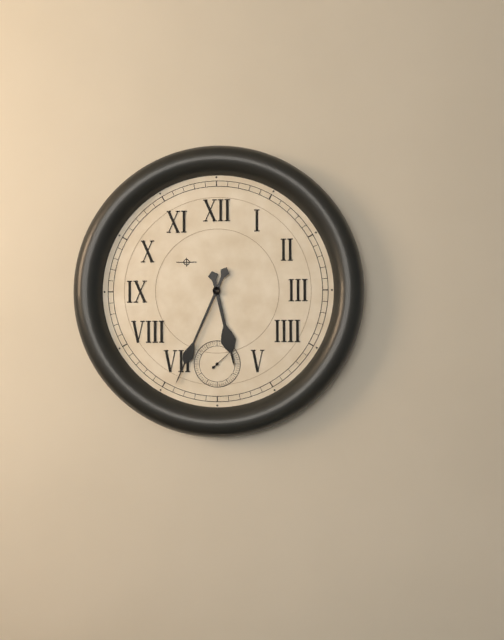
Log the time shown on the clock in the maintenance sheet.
5:34
